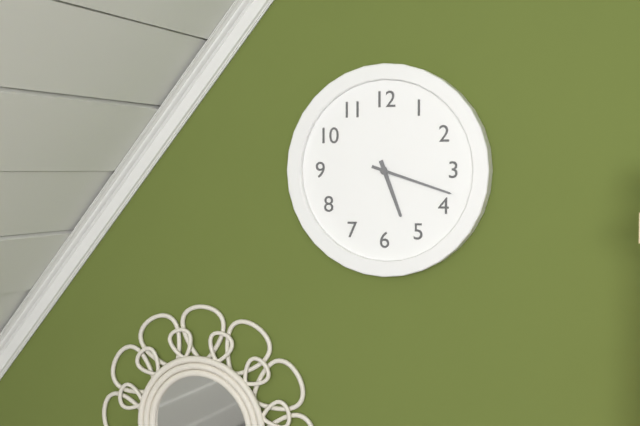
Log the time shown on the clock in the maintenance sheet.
5:18
